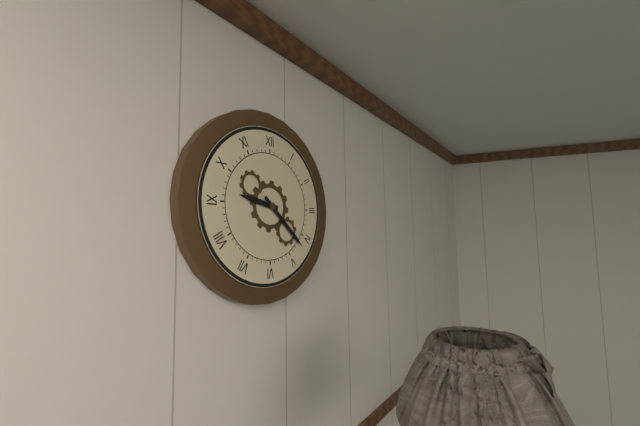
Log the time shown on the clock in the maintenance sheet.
9:22
